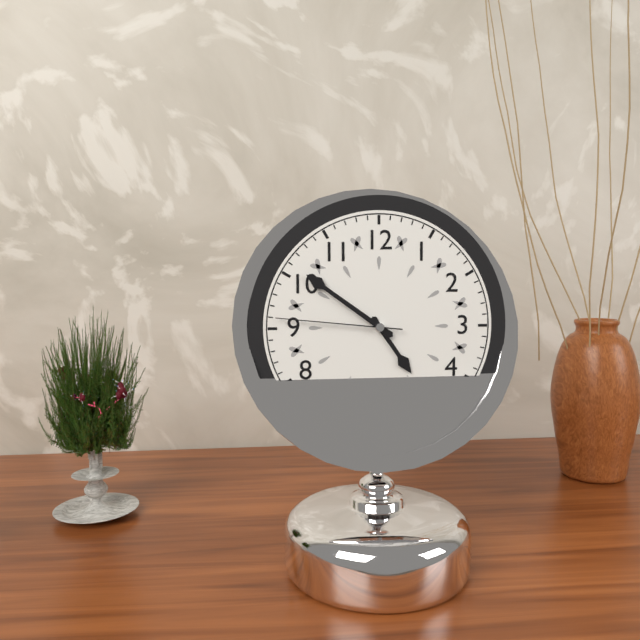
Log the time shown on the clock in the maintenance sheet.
4:51:46
